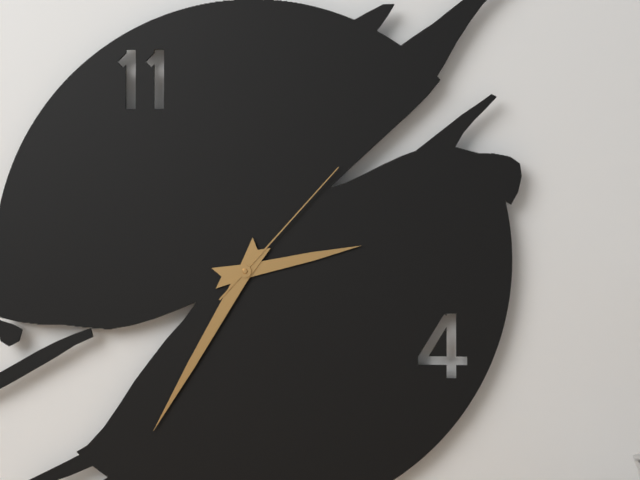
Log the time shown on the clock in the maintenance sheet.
2:35:07
